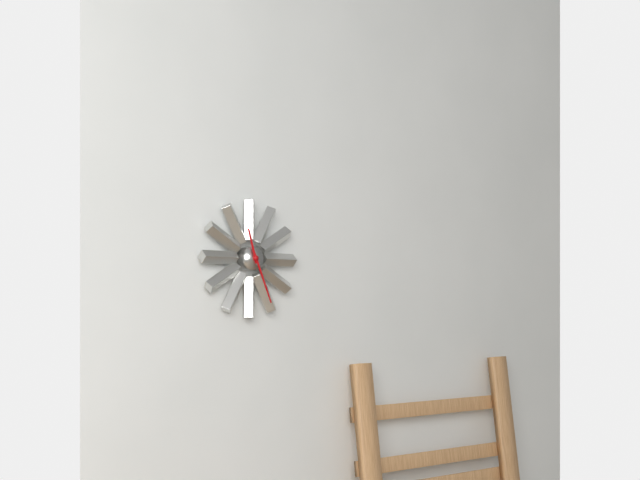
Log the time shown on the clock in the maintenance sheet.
11:26
